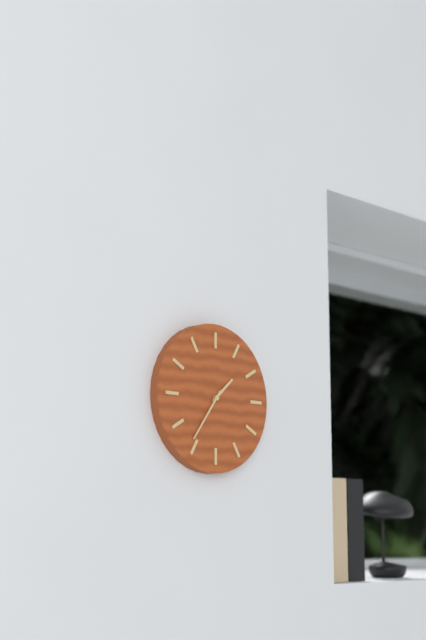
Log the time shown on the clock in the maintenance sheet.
1:36
